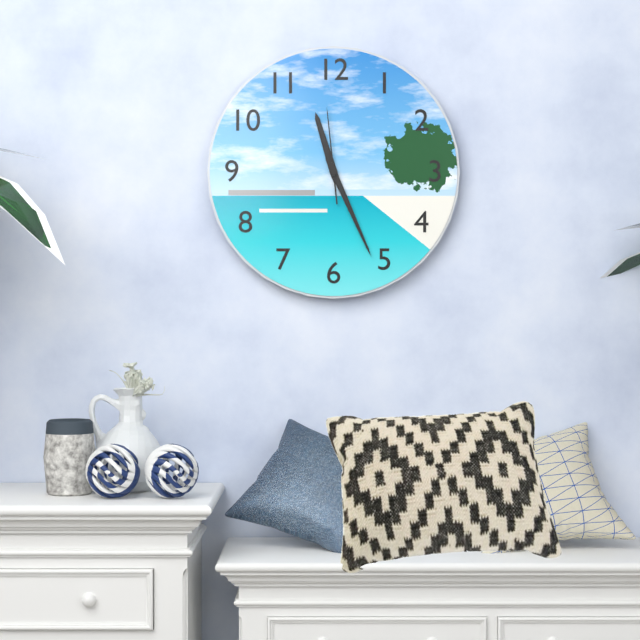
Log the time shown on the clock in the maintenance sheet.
11:26:59
